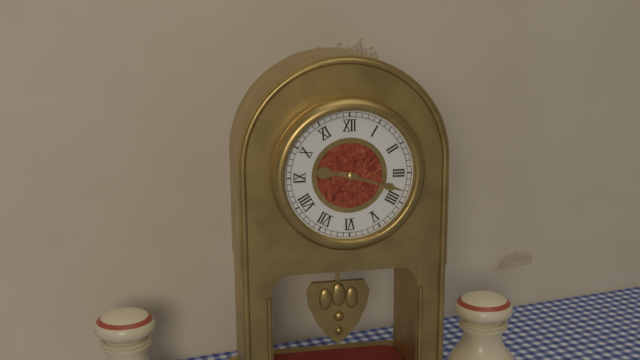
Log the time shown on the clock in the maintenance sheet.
9:18
